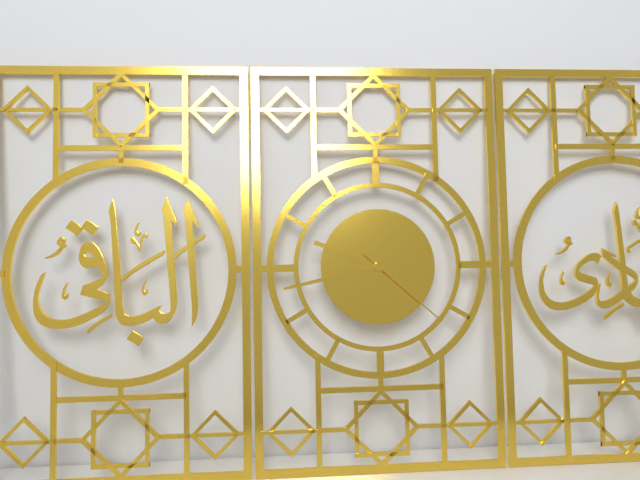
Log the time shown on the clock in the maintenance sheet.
9:43:22
